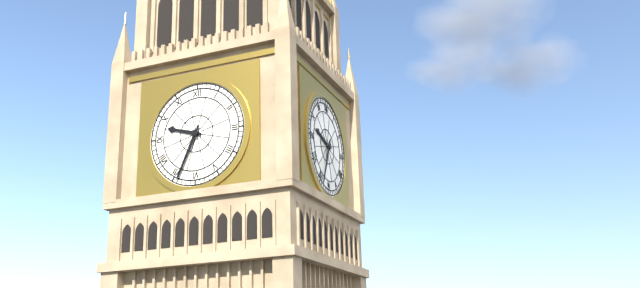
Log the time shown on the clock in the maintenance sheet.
9:34
